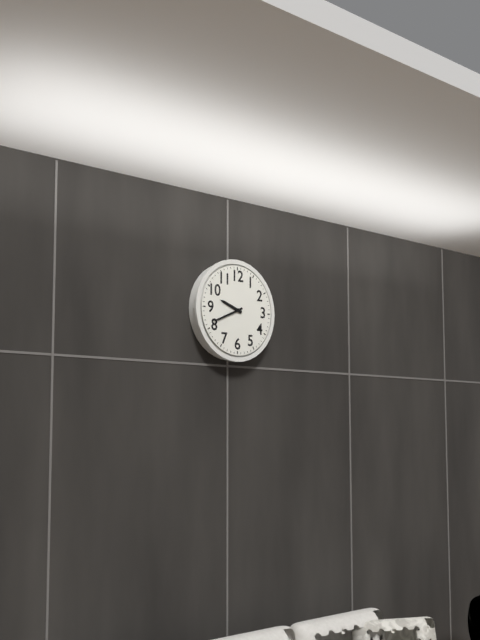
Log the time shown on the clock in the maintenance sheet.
9:41
